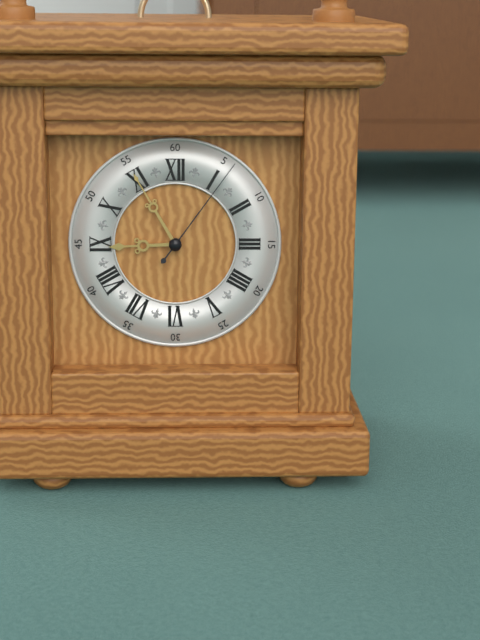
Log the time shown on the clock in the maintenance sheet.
8:55:06
